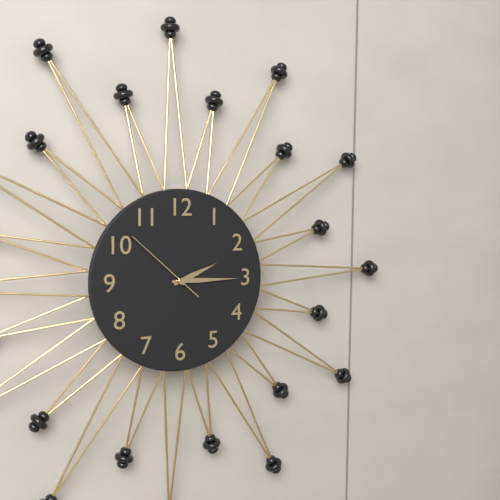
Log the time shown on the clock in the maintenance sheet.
2:15:52
